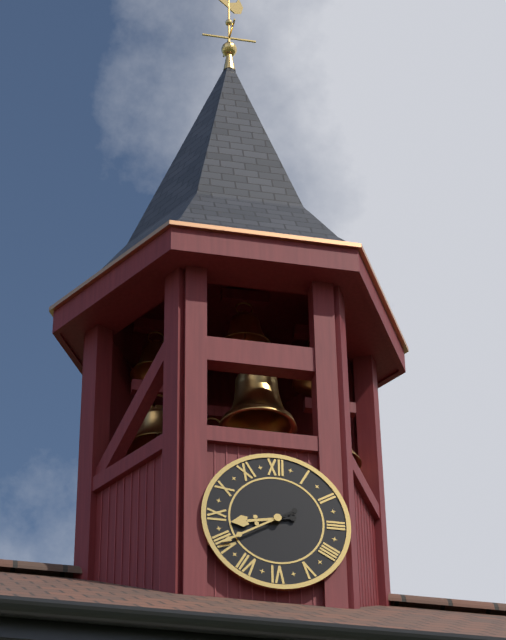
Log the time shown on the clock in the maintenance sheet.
8:40
